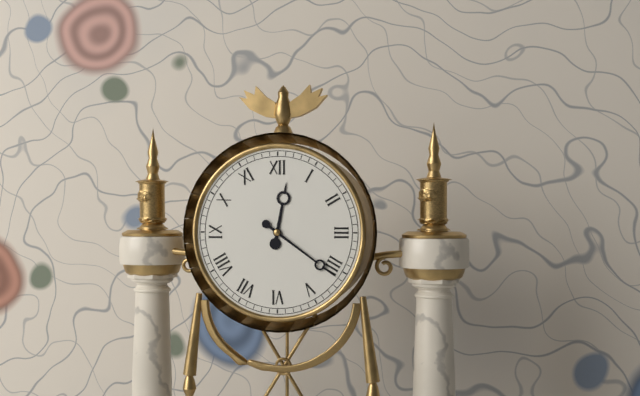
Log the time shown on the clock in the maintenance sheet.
12:21
